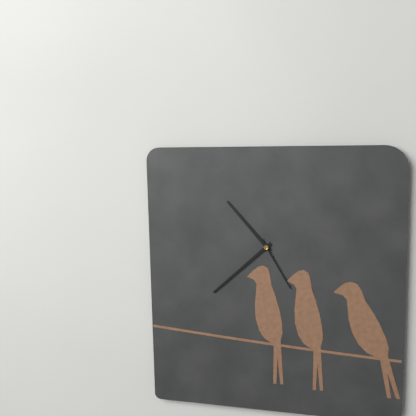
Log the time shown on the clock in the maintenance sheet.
10:38:25
